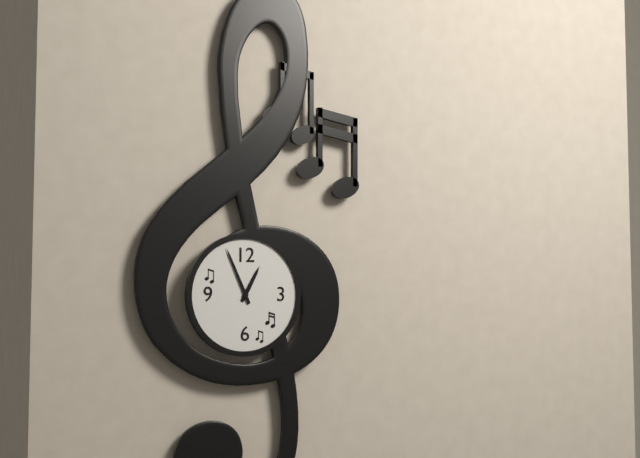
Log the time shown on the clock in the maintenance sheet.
12:56
